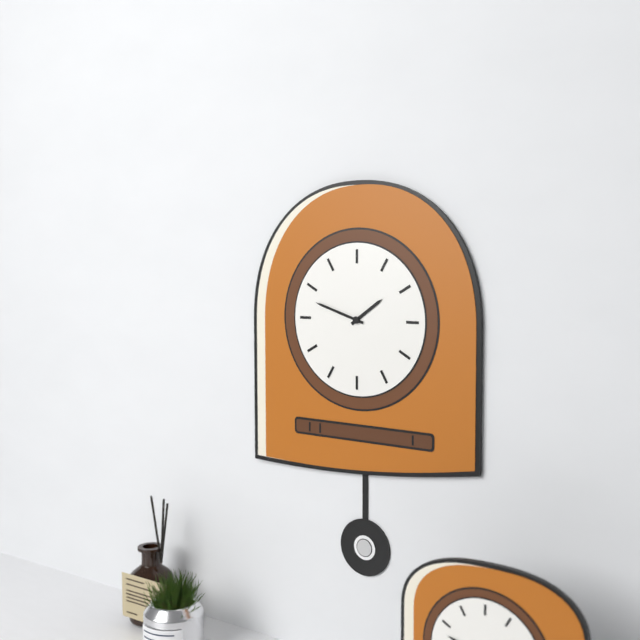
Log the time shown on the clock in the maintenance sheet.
1:48
